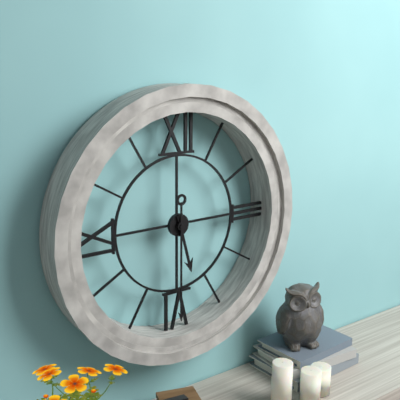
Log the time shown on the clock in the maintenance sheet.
5:30
